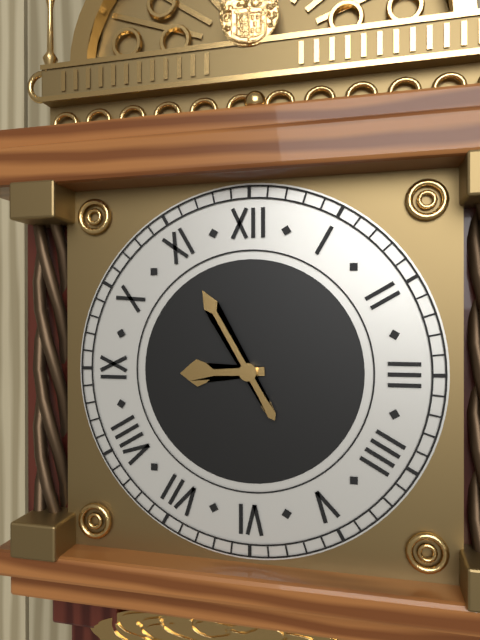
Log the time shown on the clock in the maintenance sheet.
8:55
